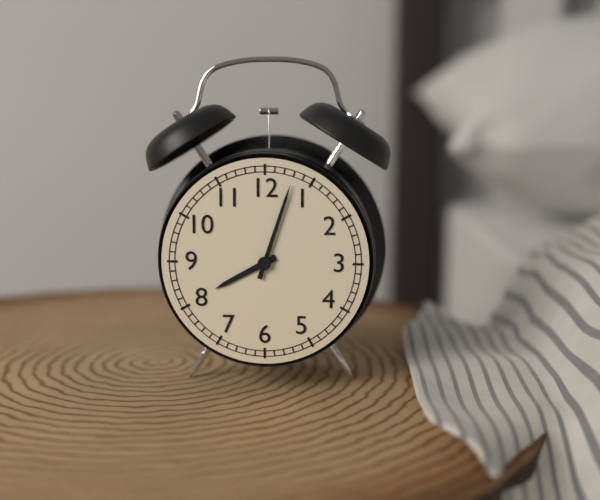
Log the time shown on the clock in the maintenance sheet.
8:03
